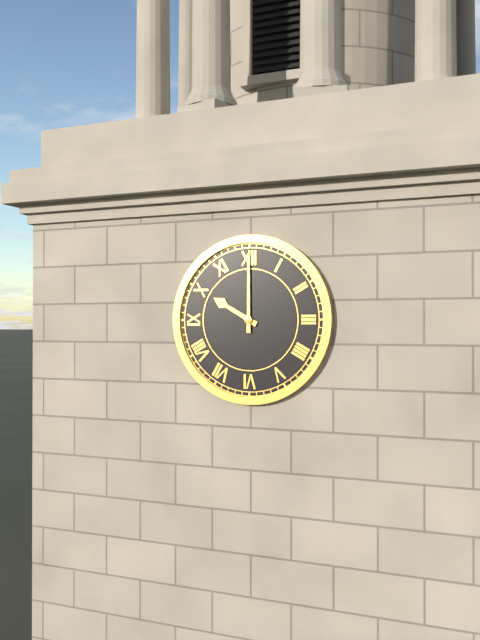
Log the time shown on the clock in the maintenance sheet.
10:00
